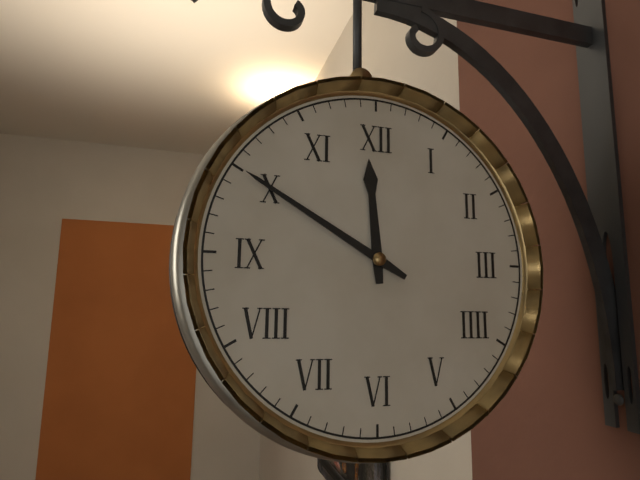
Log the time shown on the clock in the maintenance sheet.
11:50
